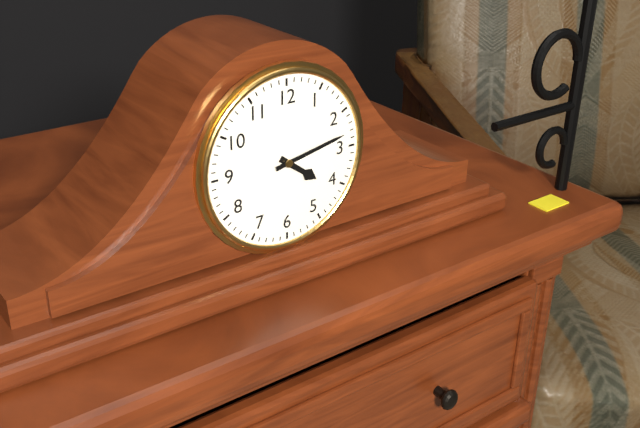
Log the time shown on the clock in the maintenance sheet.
4:13
